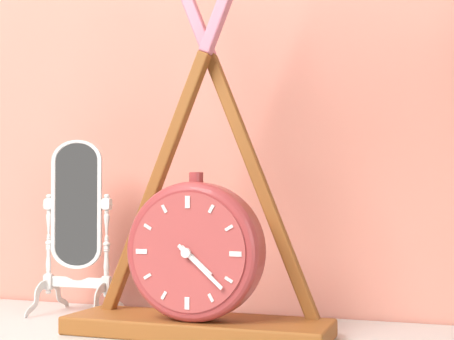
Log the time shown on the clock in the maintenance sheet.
4:22
